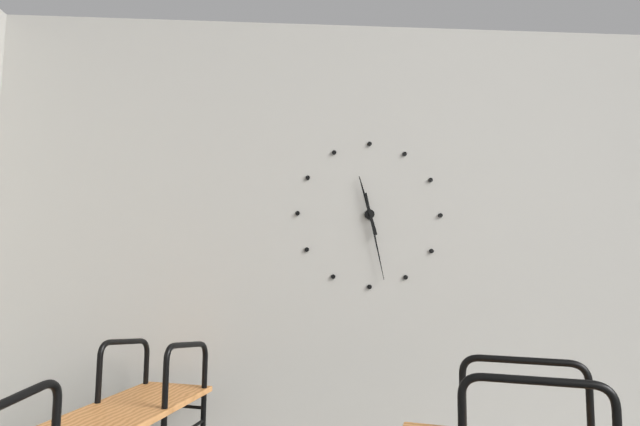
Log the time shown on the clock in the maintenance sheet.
11:28
